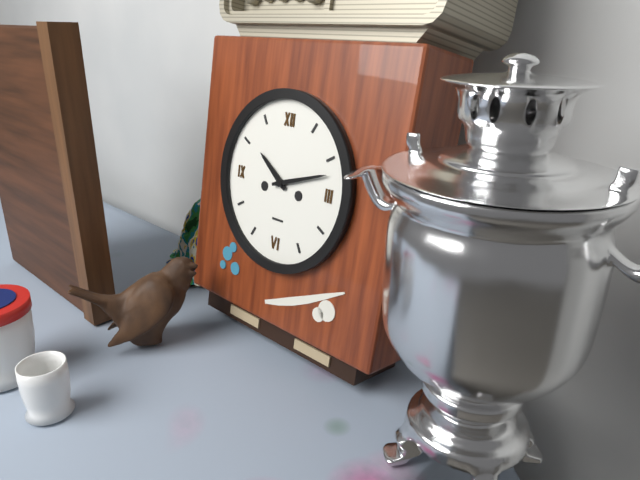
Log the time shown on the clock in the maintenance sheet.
10:12
